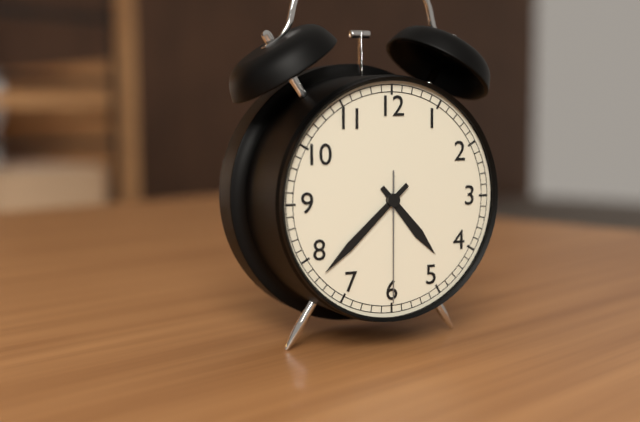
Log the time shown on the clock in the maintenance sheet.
4:38:30
